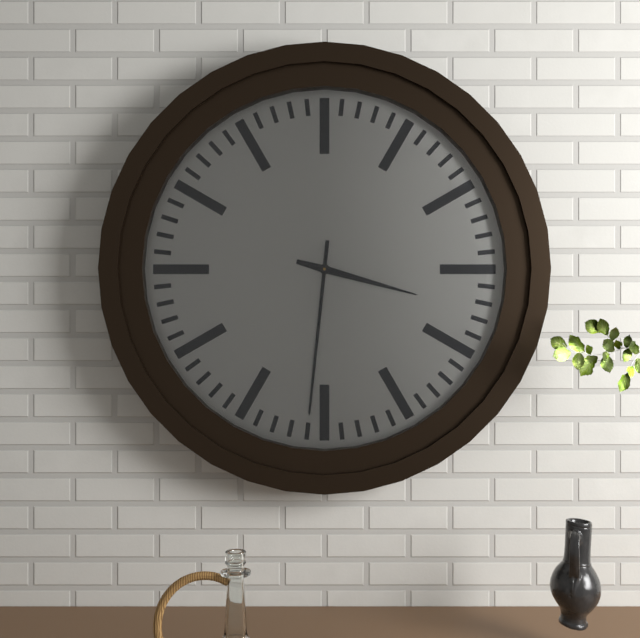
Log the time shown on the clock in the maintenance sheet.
3:31
